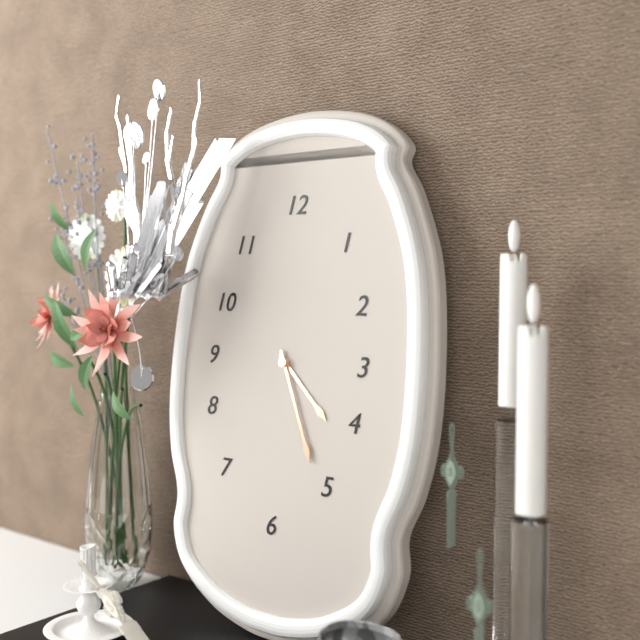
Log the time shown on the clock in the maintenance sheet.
4:26
